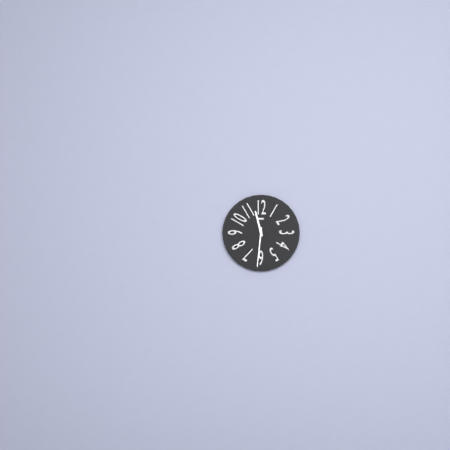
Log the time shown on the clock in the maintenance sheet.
11:31
